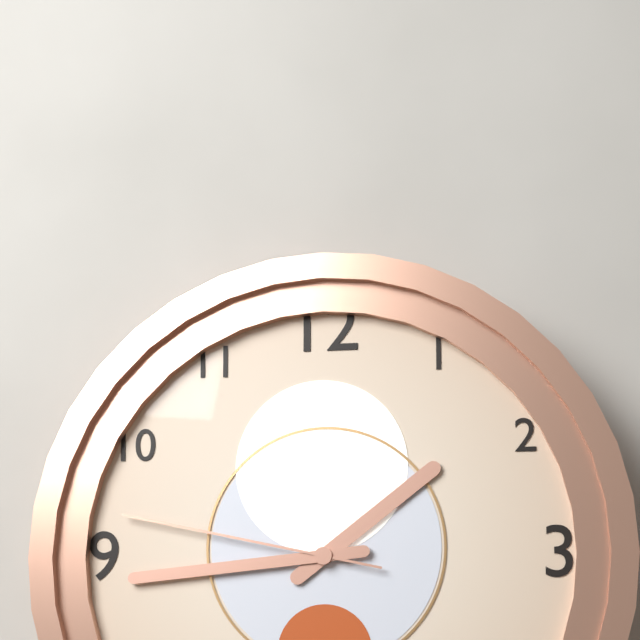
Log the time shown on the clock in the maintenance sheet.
1:44:47
